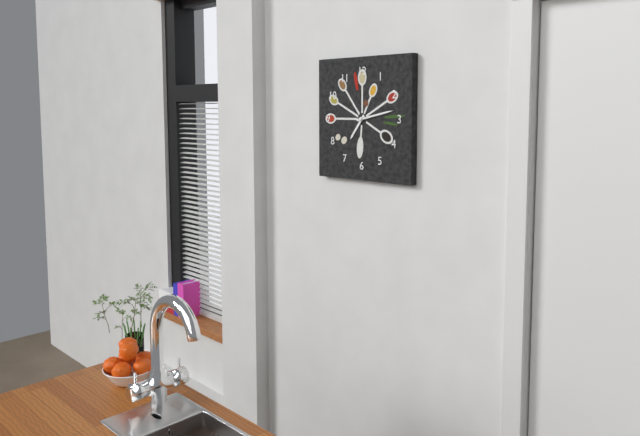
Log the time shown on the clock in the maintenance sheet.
7:13
